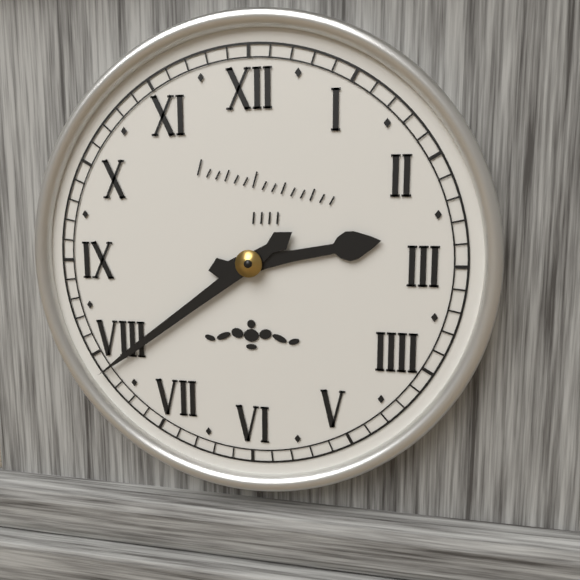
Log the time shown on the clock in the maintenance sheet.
2:39
